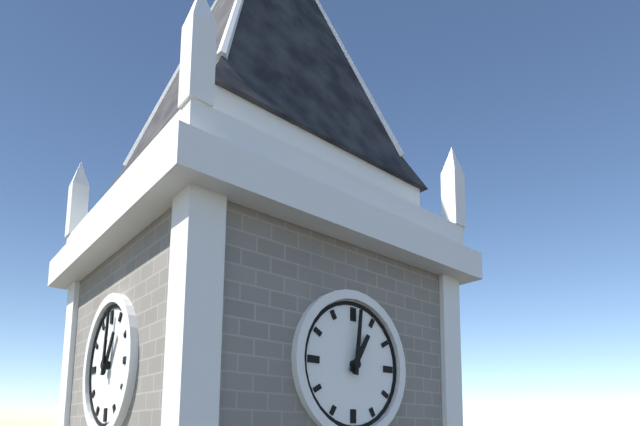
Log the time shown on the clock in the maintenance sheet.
1:01
